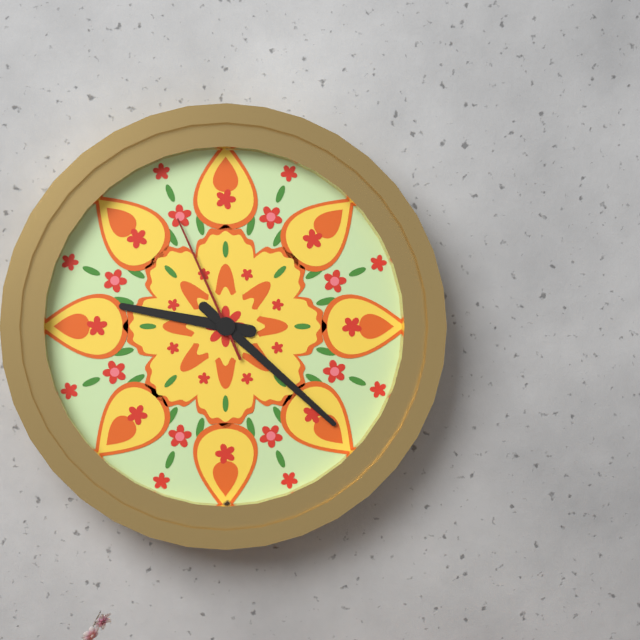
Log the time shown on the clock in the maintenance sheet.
9:22:56
